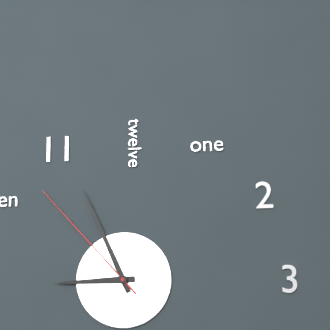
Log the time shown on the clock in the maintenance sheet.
8:56:53
